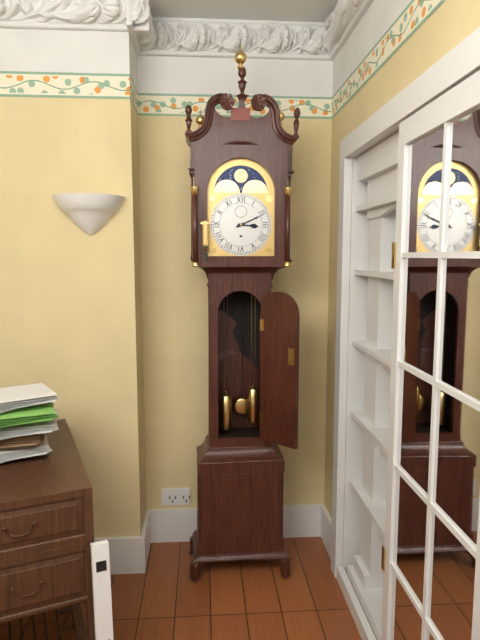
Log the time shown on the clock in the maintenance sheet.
3:11
